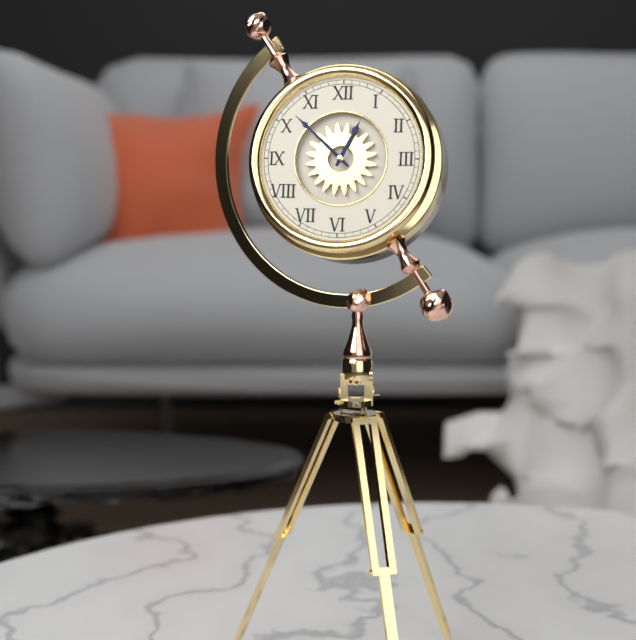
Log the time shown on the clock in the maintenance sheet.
12:52
